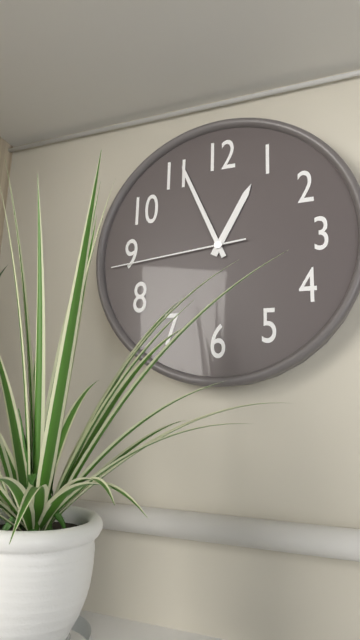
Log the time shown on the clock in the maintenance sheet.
12:56:44
